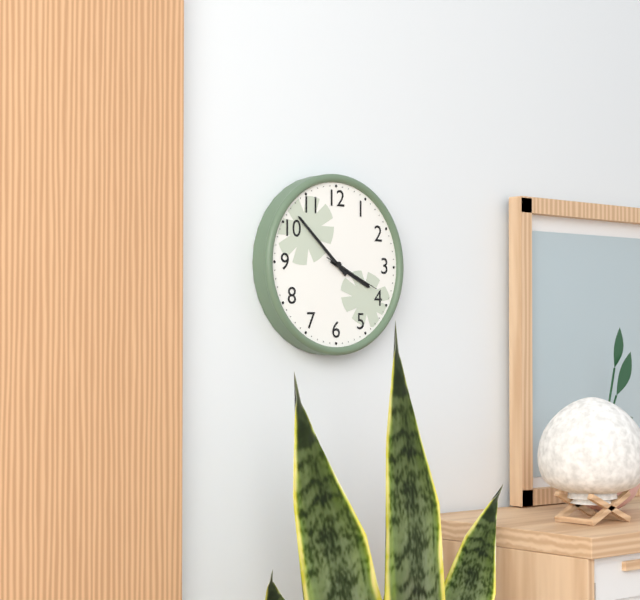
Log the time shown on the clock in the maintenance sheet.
3:52:19
